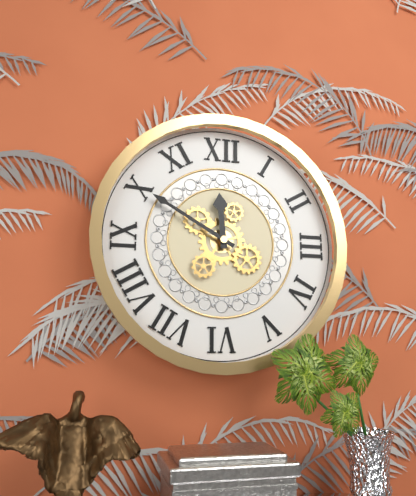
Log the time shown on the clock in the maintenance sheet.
11:50
